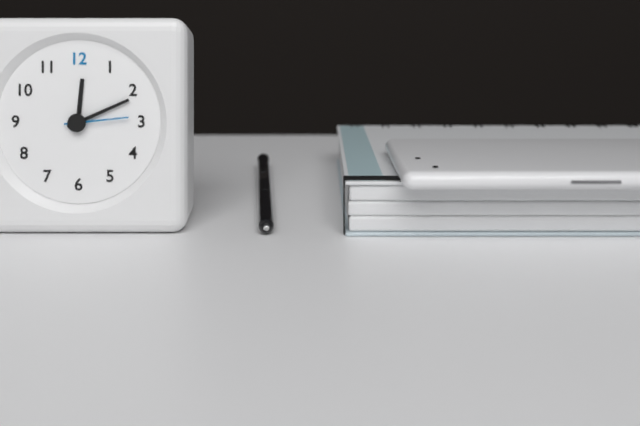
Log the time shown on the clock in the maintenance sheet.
12:11:14
